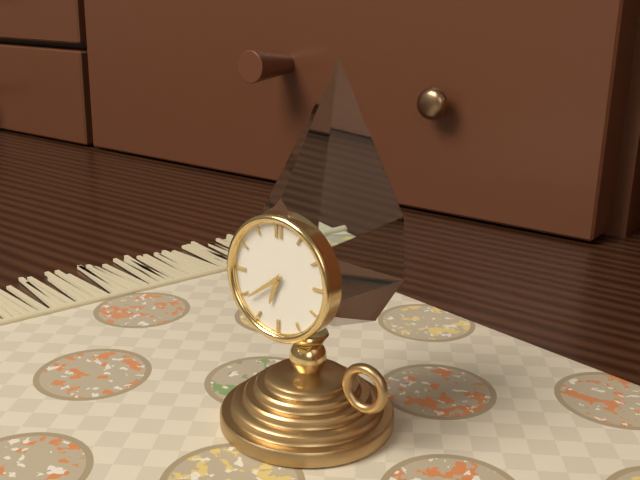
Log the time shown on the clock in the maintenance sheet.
6:39
